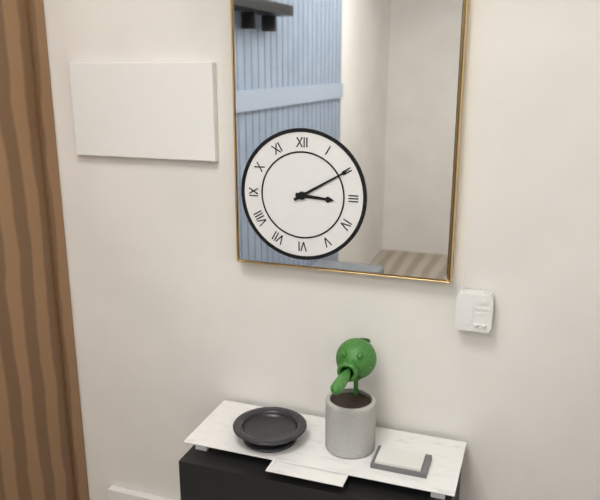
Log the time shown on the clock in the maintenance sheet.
3:10
